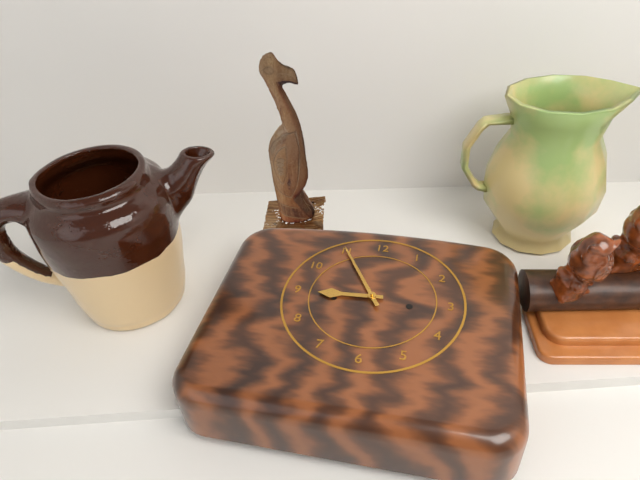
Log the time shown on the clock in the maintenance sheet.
8:55
